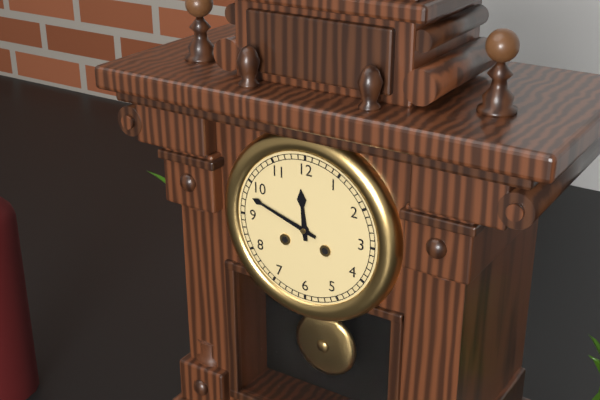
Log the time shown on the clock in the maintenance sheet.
11:48
